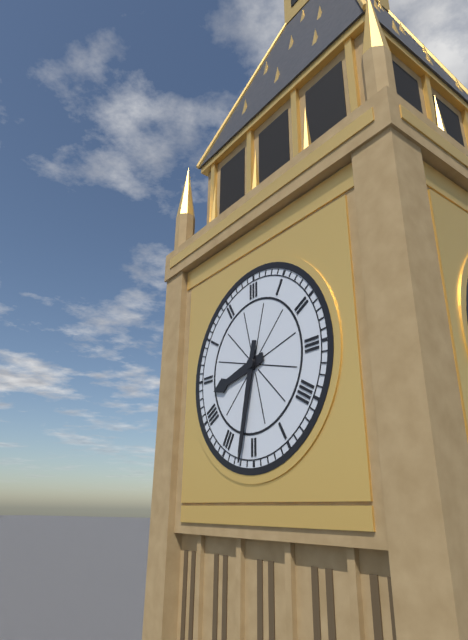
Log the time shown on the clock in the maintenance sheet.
8:32
